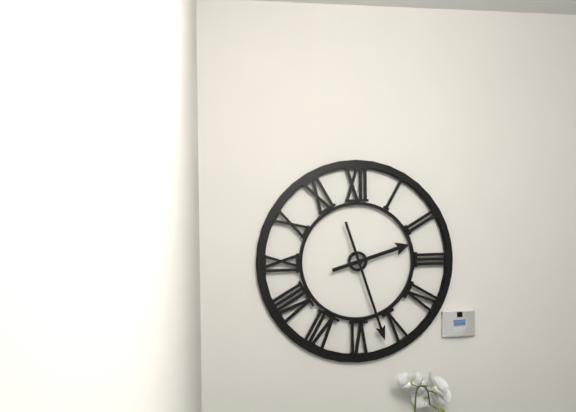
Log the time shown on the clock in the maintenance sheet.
2:27
